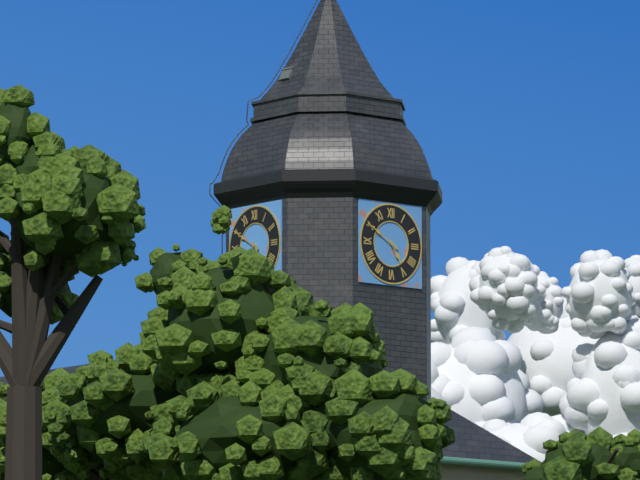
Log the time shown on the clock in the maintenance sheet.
4:50
